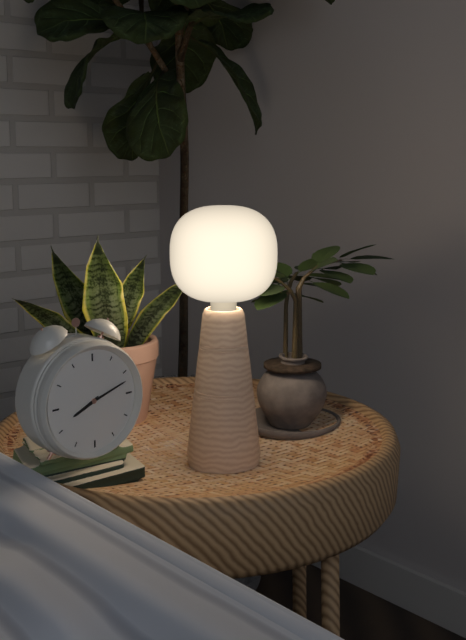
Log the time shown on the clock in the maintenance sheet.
8:12
